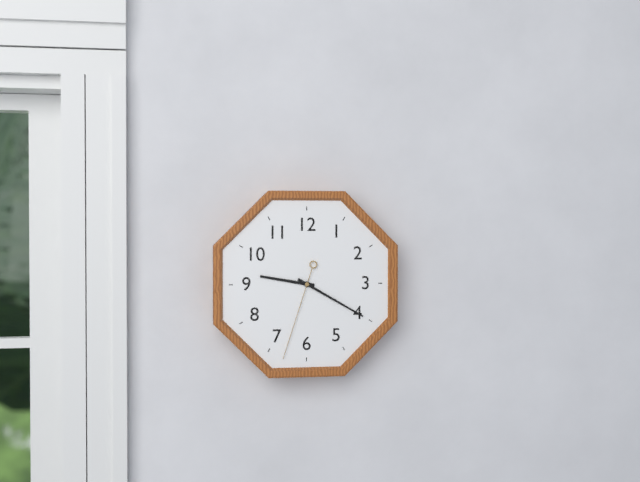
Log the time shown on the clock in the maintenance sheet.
9:20:33
